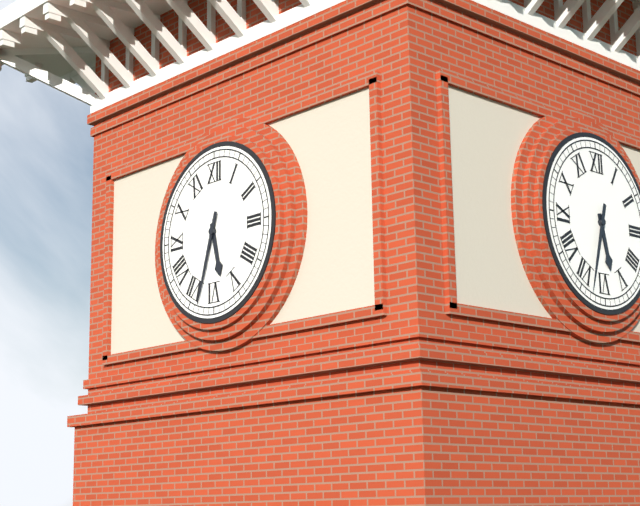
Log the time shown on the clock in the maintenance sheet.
5:33
